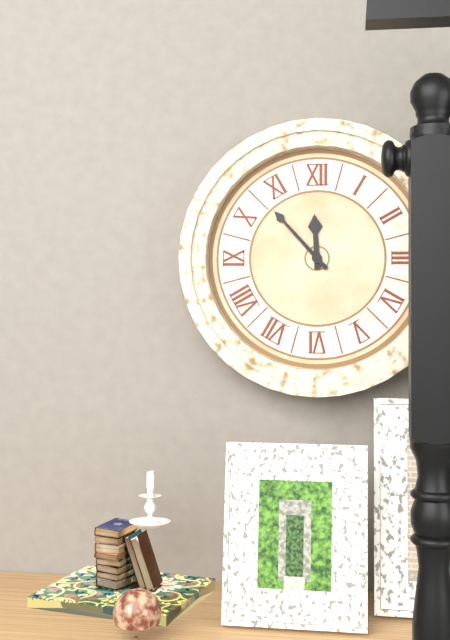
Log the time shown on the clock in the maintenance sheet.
11:53
